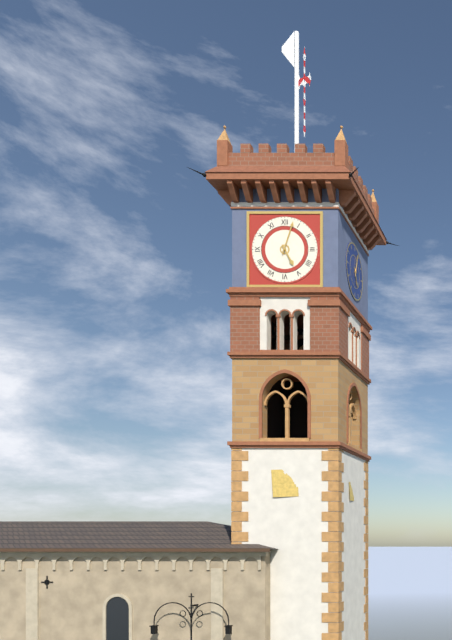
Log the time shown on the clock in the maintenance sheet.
5:03
